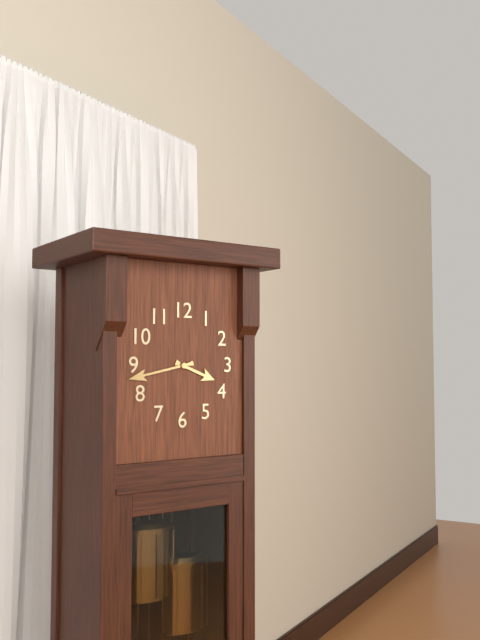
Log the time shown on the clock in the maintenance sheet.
3:43
